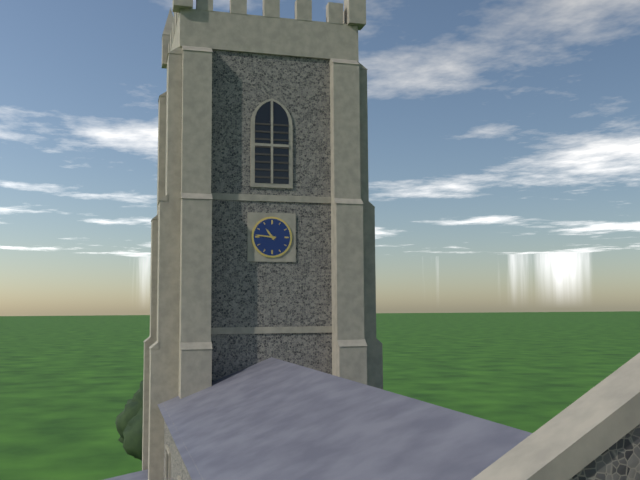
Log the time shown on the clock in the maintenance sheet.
10:46
